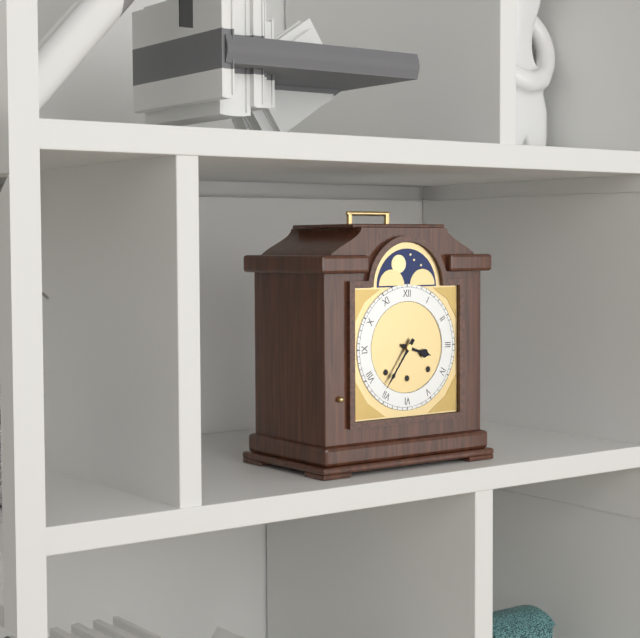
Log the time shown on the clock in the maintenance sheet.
3:36
